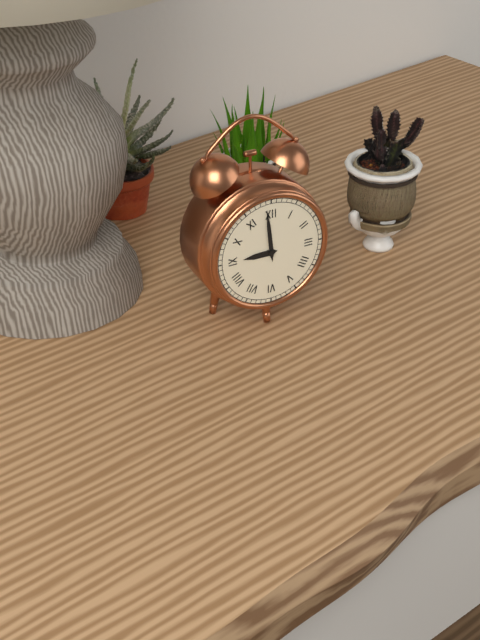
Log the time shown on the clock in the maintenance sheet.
8:59
